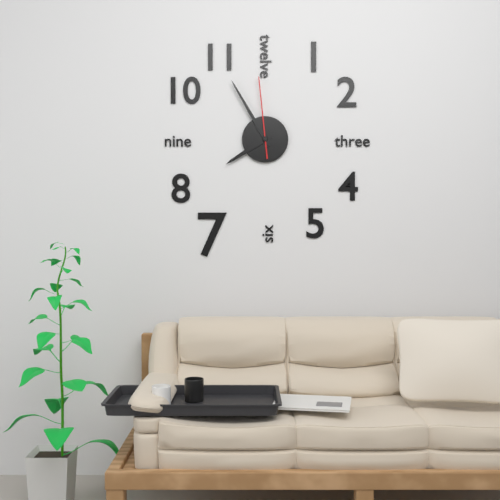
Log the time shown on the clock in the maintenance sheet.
7:55:59
